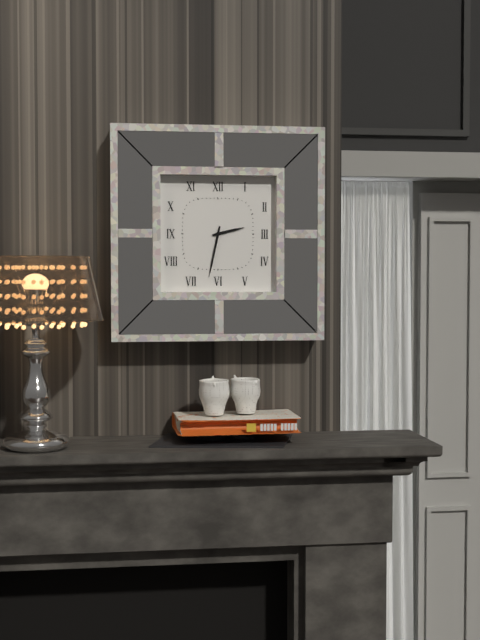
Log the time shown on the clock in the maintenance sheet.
2:32
